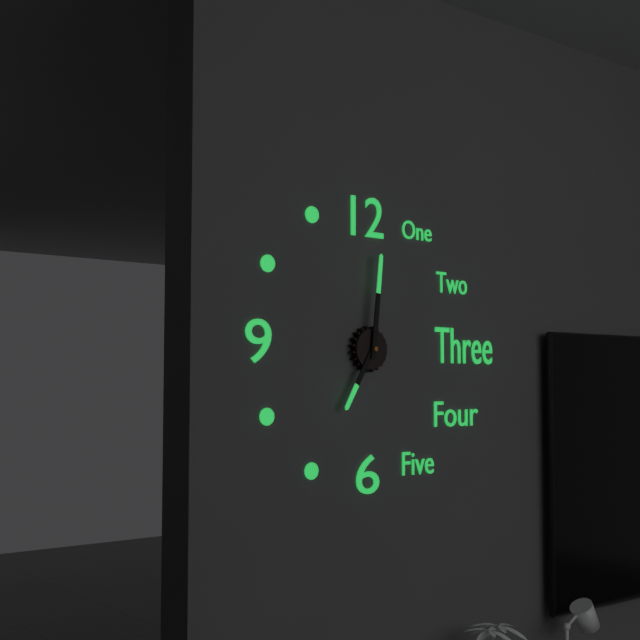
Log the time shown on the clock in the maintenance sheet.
7:01
